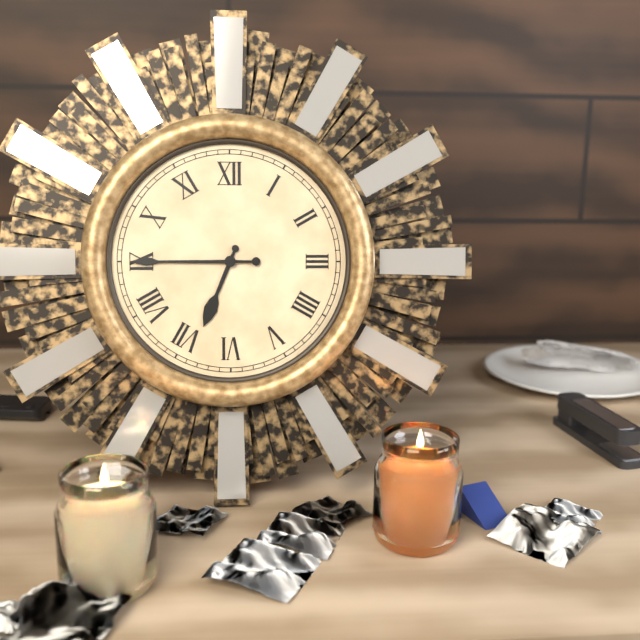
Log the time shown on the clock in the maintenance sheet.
6:45
